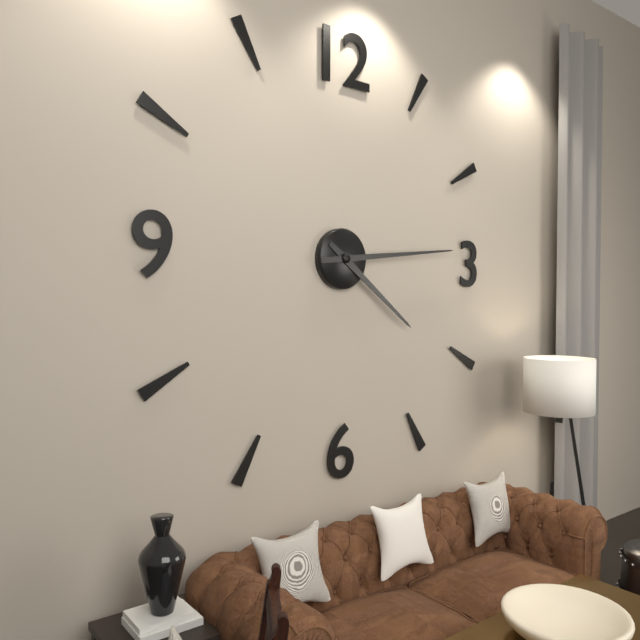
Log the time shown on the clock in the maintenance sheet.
4:14
